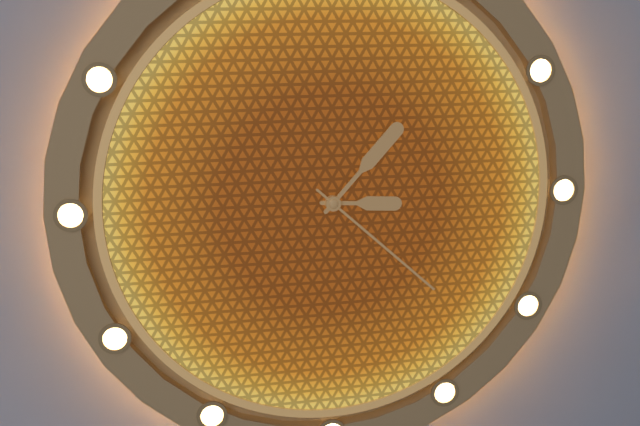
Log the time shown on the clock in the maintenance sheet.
3:07:22
